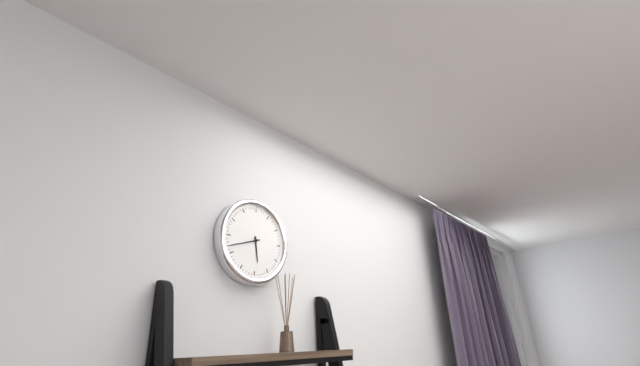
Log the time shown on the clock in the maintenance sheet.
5:42
